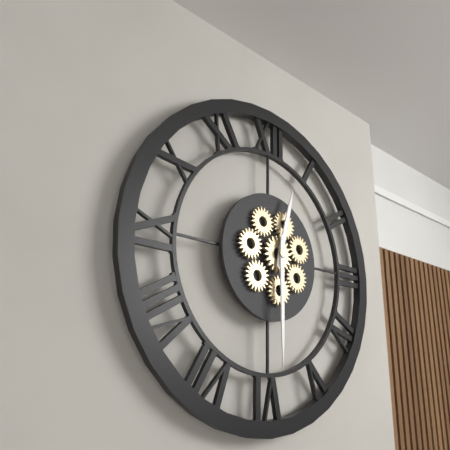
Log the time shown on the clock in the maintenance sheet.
12:30
